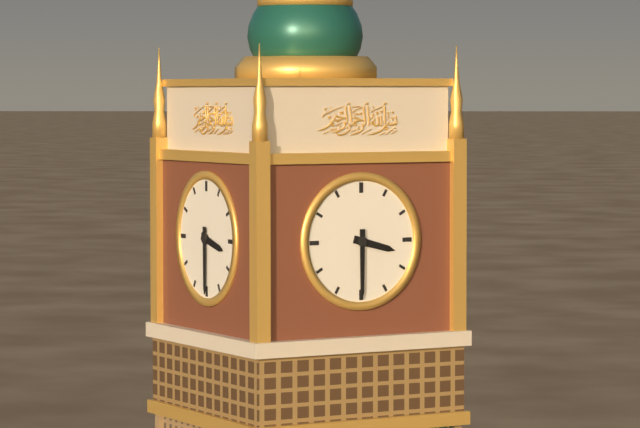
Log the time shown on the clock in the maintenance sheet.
3:30
